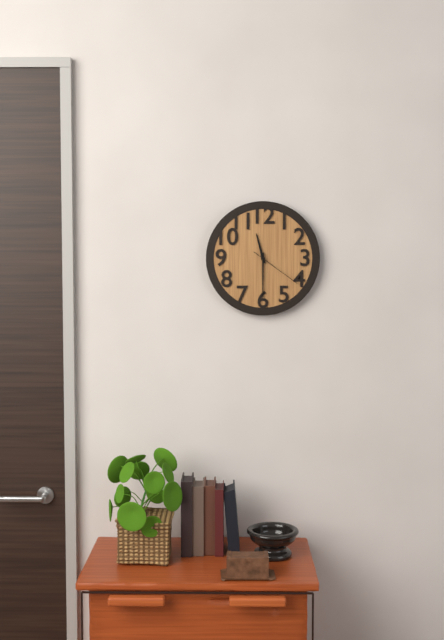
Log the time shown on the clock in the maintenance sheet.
11:30:21
